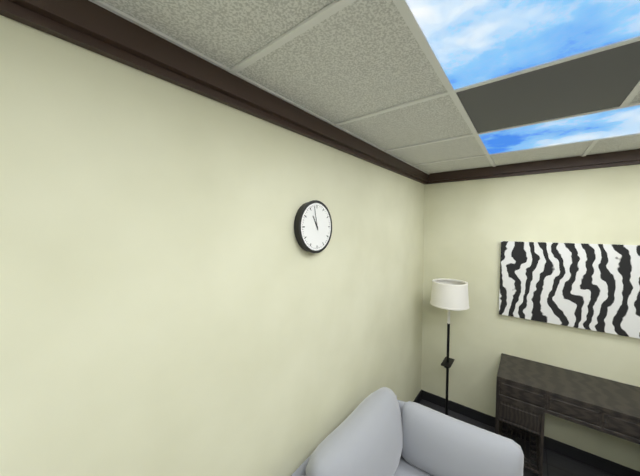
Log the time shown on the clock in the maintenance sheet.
10:58
